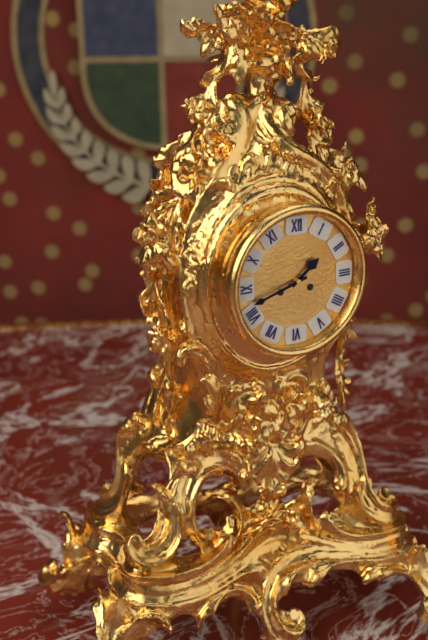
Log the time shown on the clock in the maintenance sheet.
1:42
